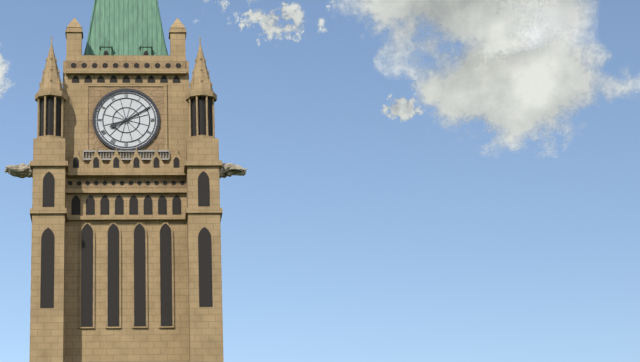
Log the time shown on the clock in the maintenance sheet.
8:10
